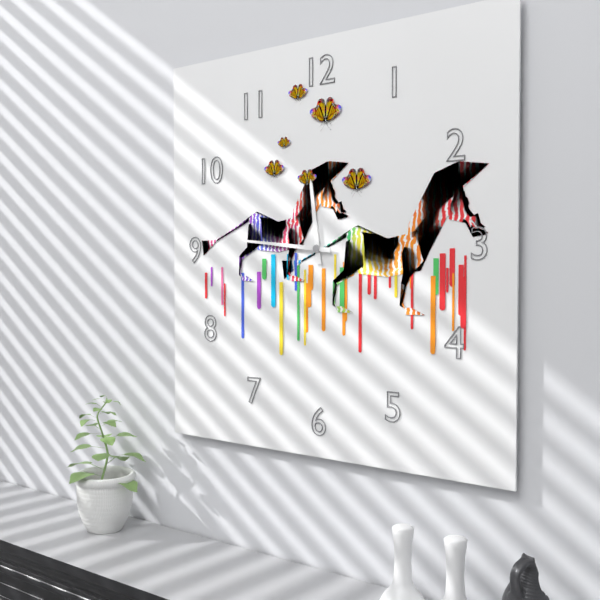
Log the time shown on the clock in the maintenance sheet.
11:46
